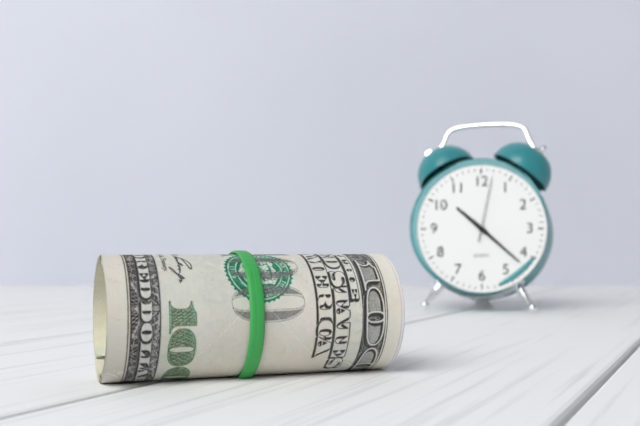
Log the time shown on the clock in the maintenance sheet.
10:22:02
